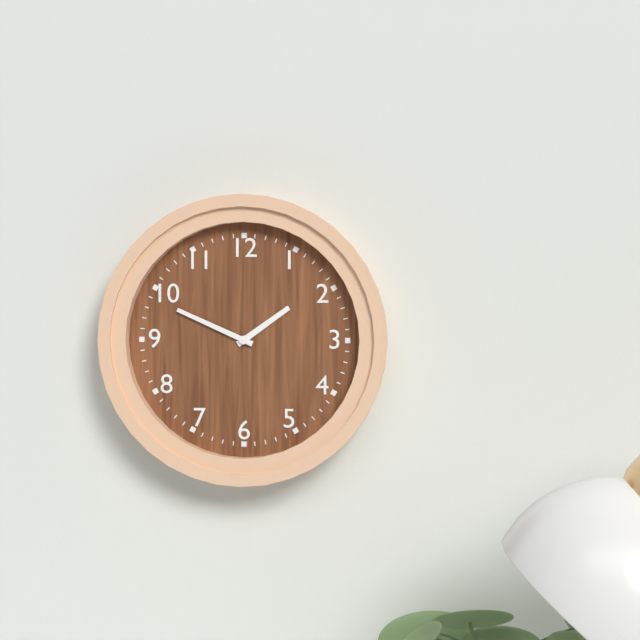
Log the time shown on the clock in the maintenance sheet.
1:49
